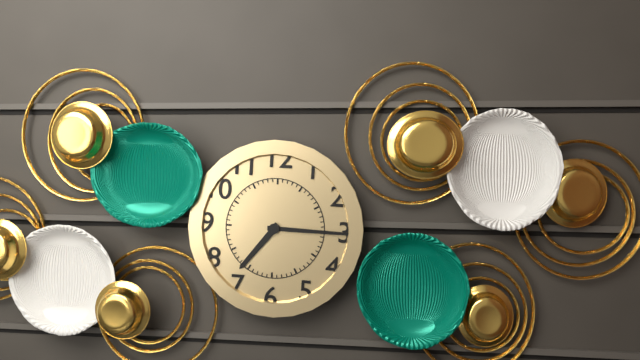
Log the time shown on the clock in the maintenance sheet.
7:15
